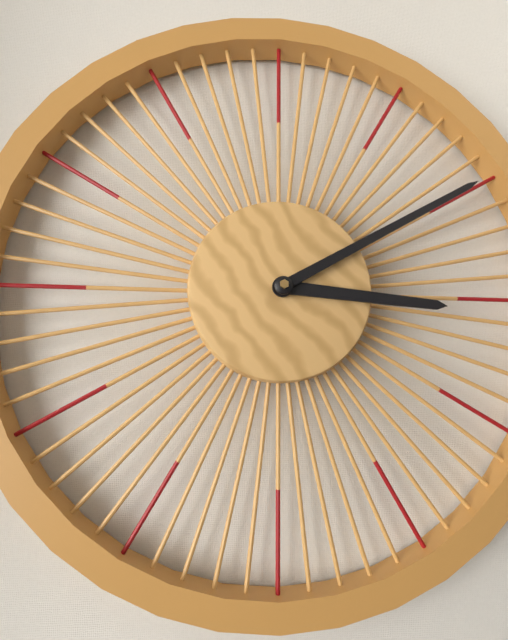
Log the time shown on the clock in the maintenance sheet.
3:10
